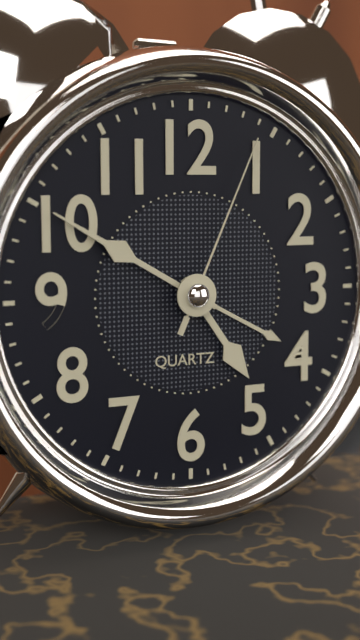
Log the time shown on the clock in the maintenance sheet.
4:50:04
